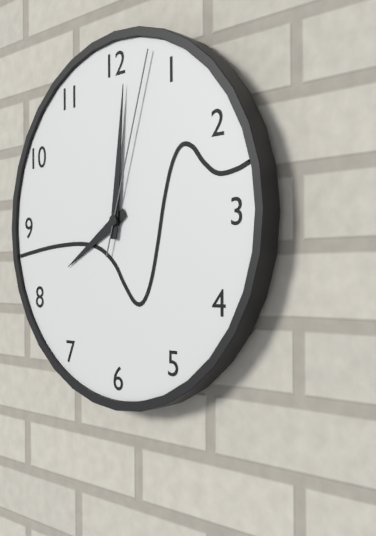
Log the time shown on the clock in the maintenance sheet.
8:01:03
